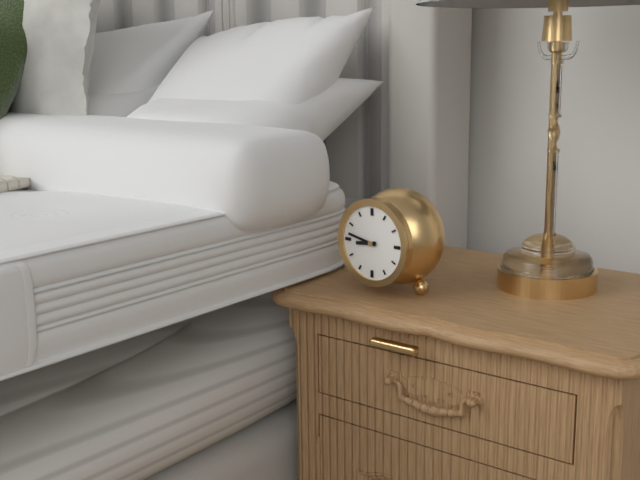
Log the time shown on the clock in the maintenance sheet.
8:47
